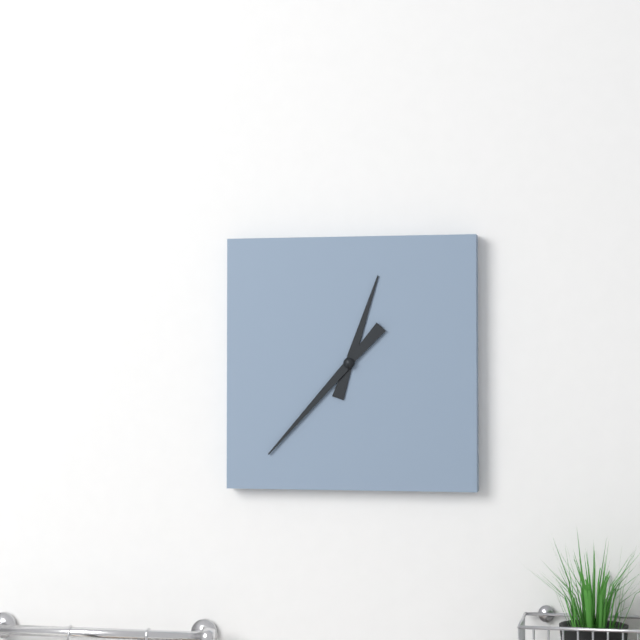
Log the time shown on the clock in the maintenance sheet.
12:37
